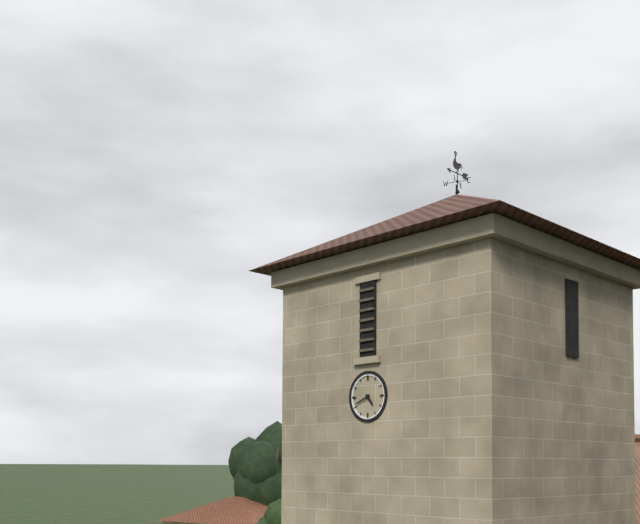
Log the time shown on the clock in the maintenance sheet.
4:41
